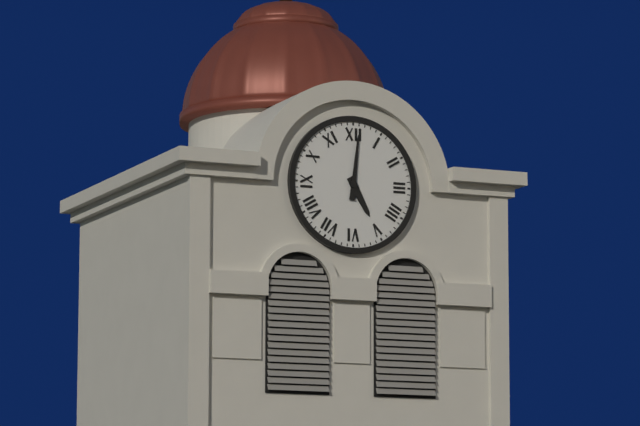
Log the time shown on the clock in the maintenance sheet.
5:01
